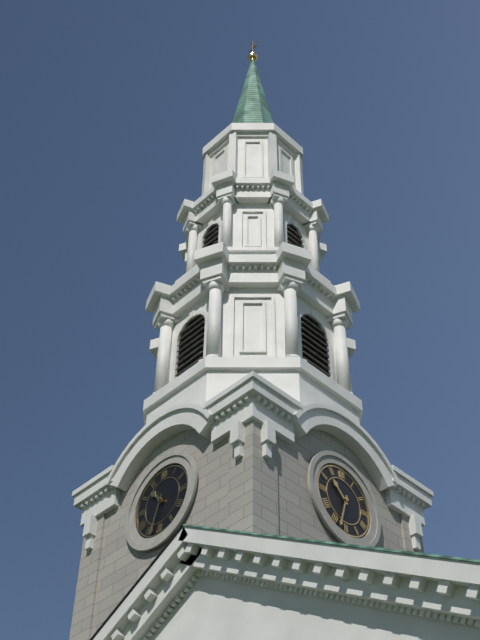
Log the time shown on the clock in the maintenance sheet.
10:33
